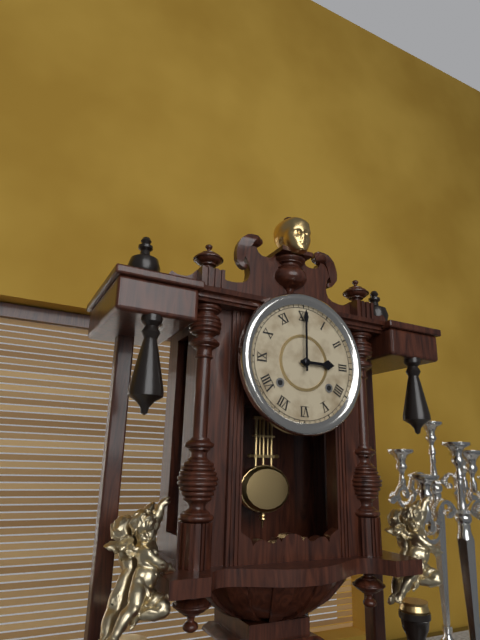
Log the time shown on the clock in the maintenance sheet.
3:00
